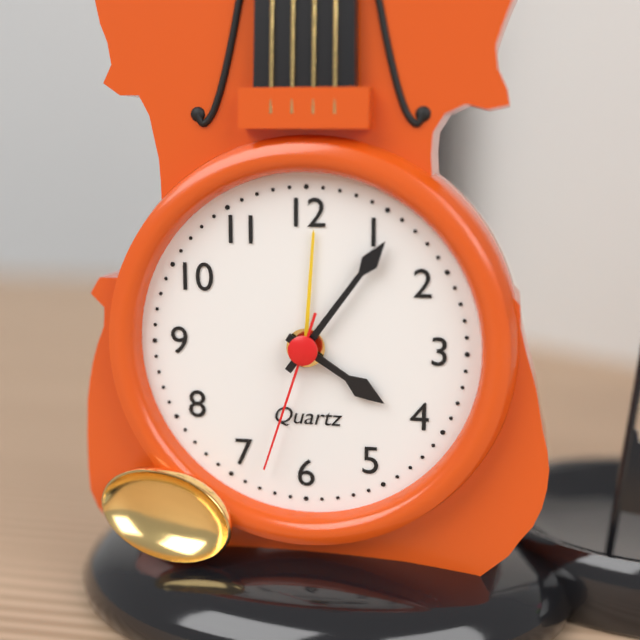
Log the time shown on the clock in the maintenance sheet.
4:06:33
